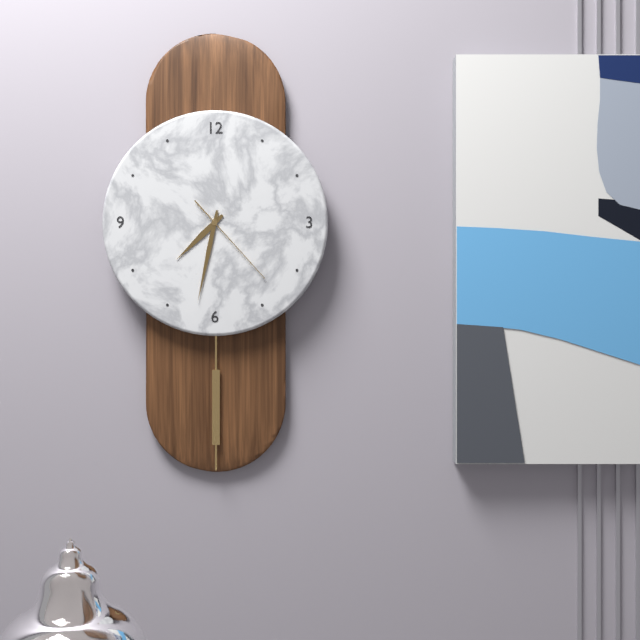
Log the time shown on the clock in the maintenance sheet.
7:32:23
